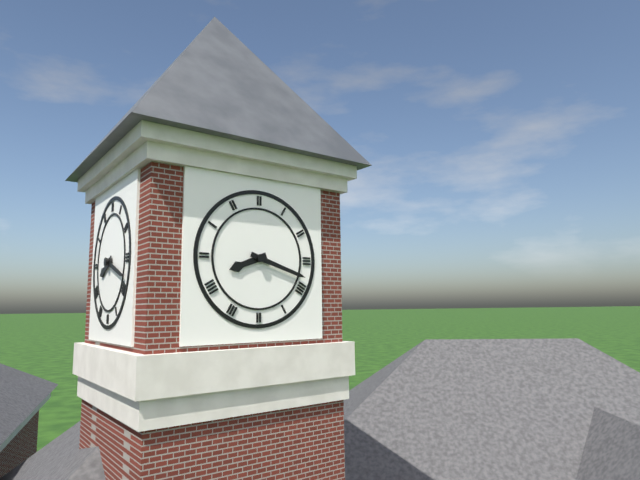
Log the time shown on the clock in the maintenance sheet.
8:18
